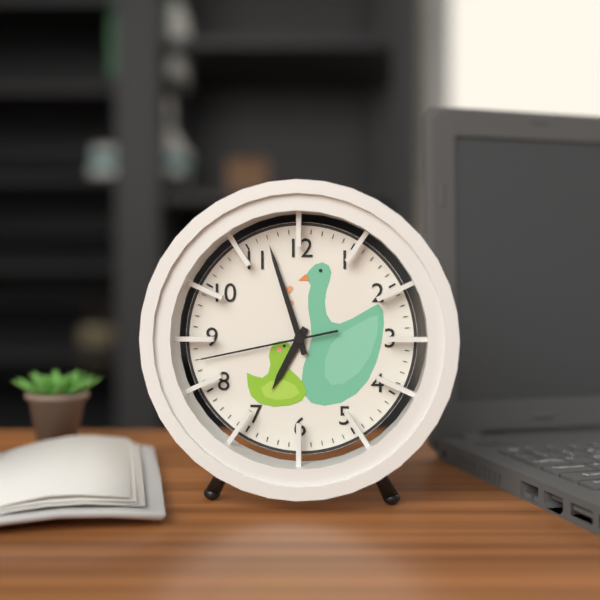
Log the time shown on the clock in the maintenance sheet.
6:57:43
